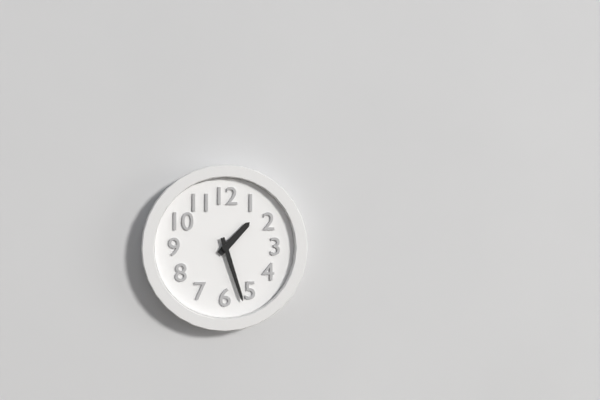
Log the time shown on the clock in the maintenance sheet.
1:27
